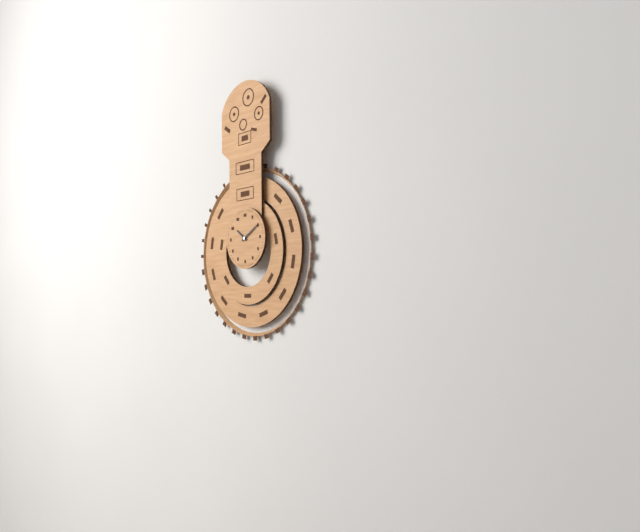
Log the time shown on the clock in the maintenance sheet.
10:10
